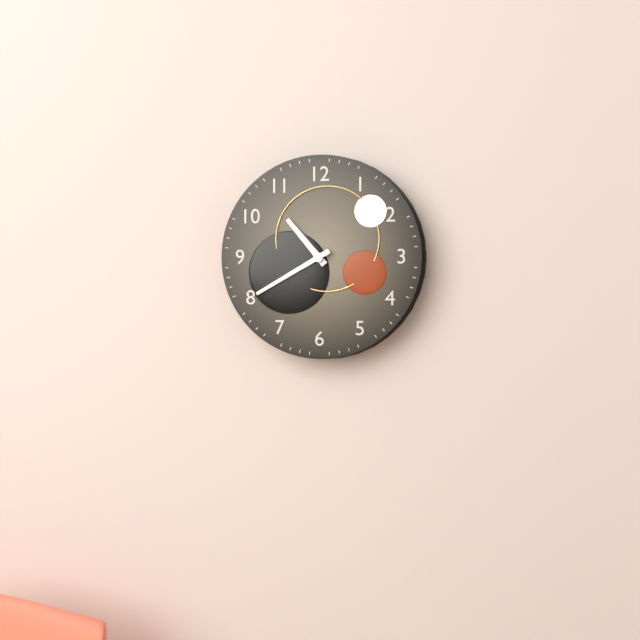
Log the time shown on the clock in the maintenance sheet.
10:40
